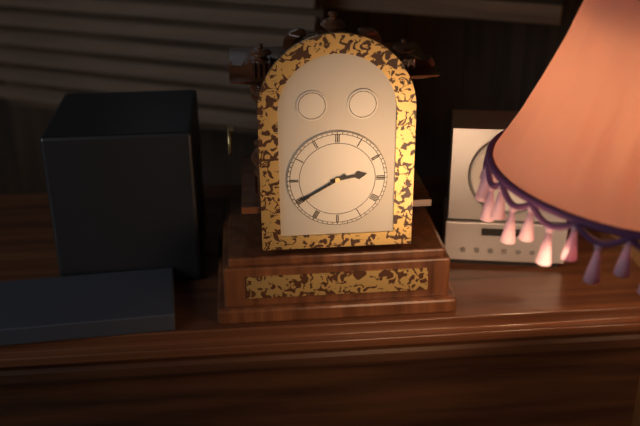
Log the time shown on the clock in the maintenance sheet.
2:40
